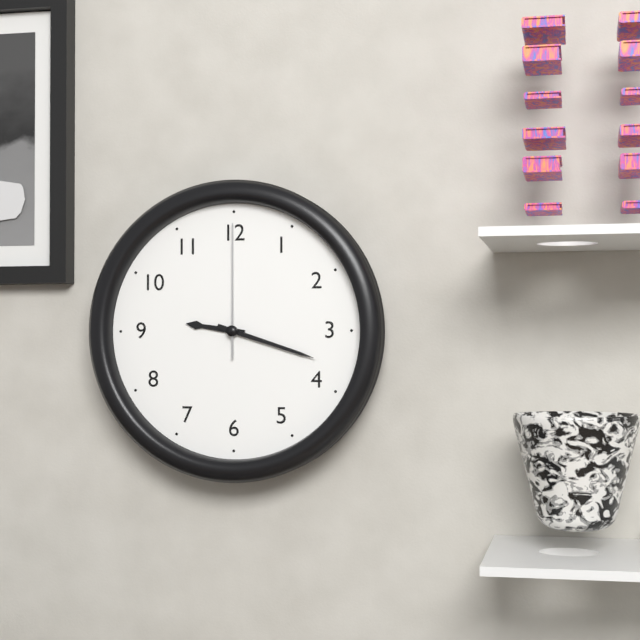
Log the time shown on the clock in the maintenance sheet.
9:18:00
